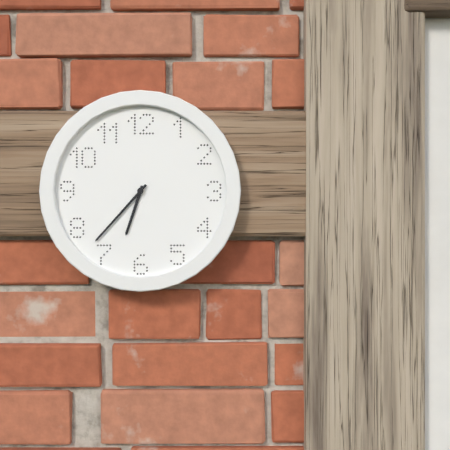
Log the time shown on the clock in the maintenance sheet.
6:37
